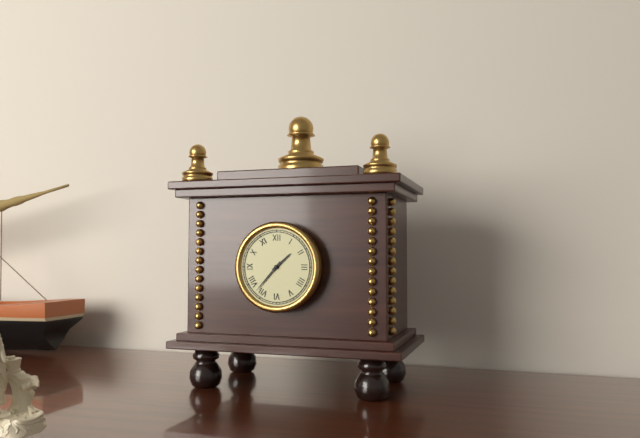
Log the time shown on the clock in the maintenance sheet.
1:37
